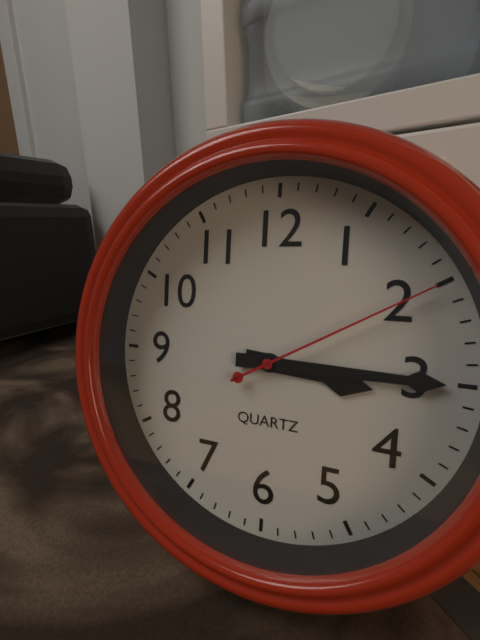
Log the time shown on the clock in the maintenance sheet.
3:15:10
